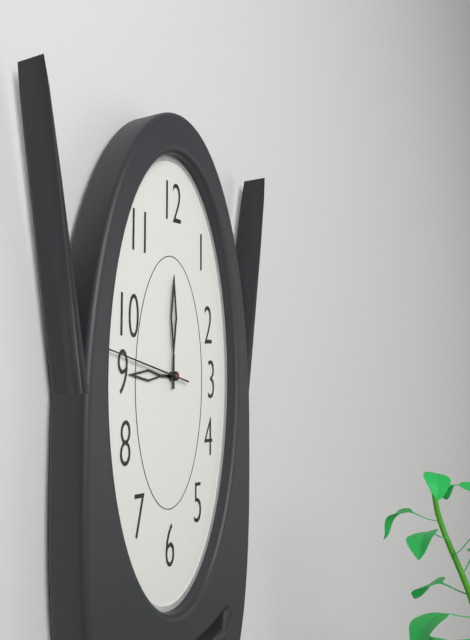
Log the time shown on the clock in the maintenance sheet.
9:00:47
